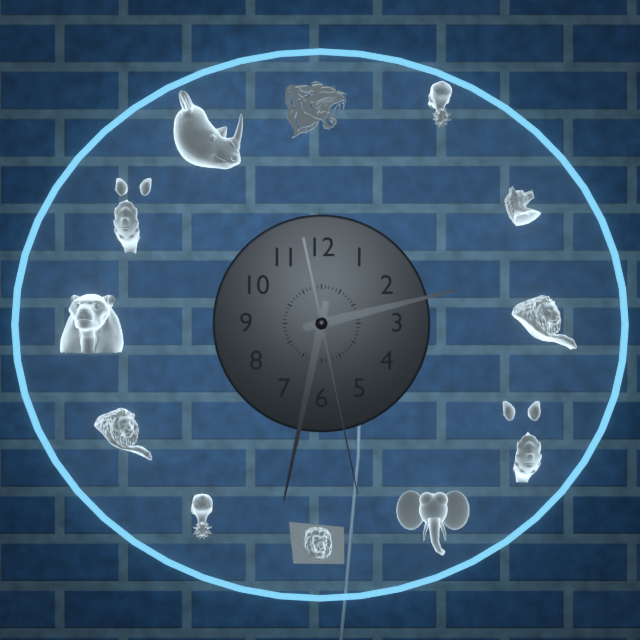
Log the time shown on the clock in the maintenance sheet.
2:32:28
